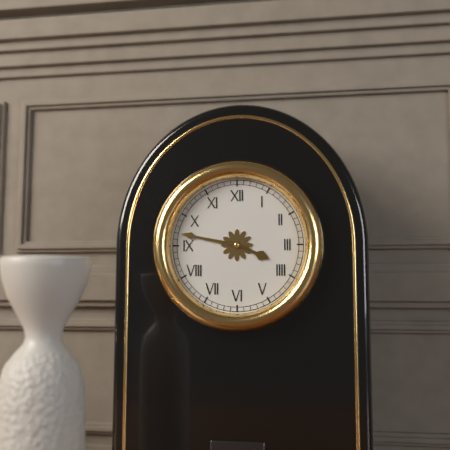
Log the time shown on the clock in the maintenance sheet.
3:47
